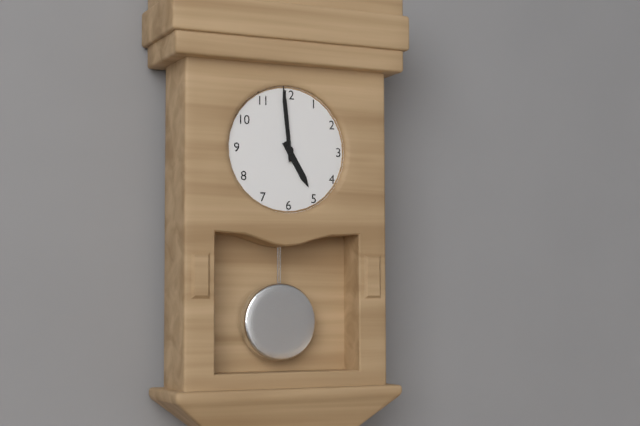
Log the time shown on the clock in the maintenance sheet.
4:59
